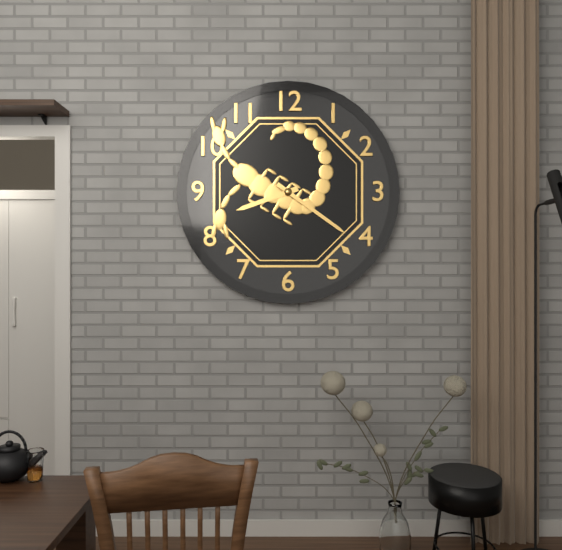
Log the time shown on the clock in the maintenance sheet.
8:21
